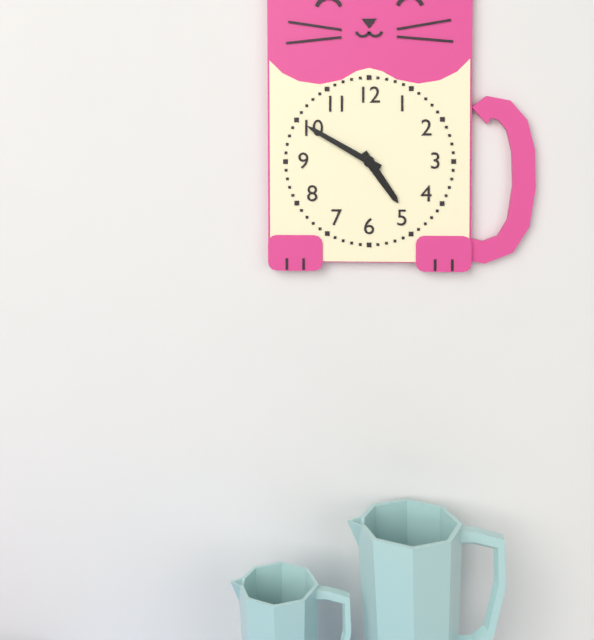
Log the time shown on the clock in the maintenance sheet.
4:50
